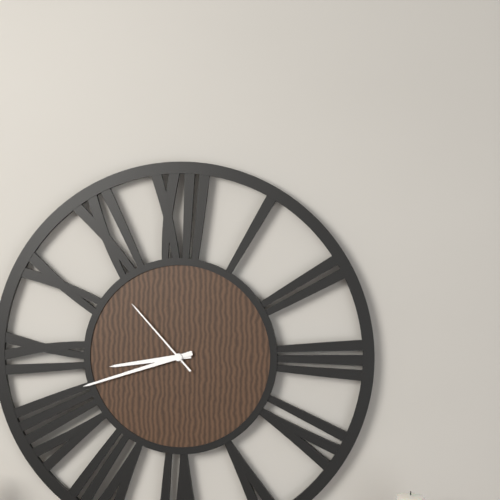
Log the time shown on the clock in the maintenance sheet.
8:42:53
